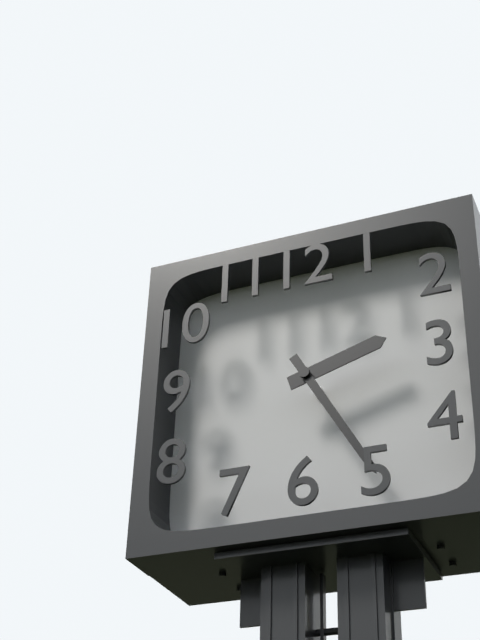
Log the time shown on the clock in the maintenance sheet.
2:25
